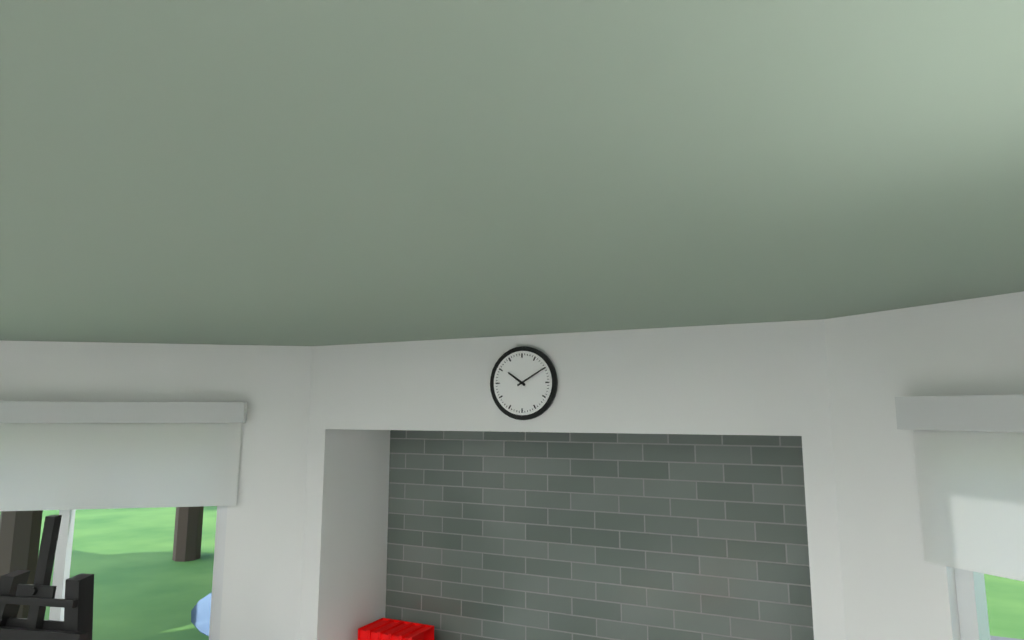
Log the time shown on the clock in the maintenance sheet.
10:10
